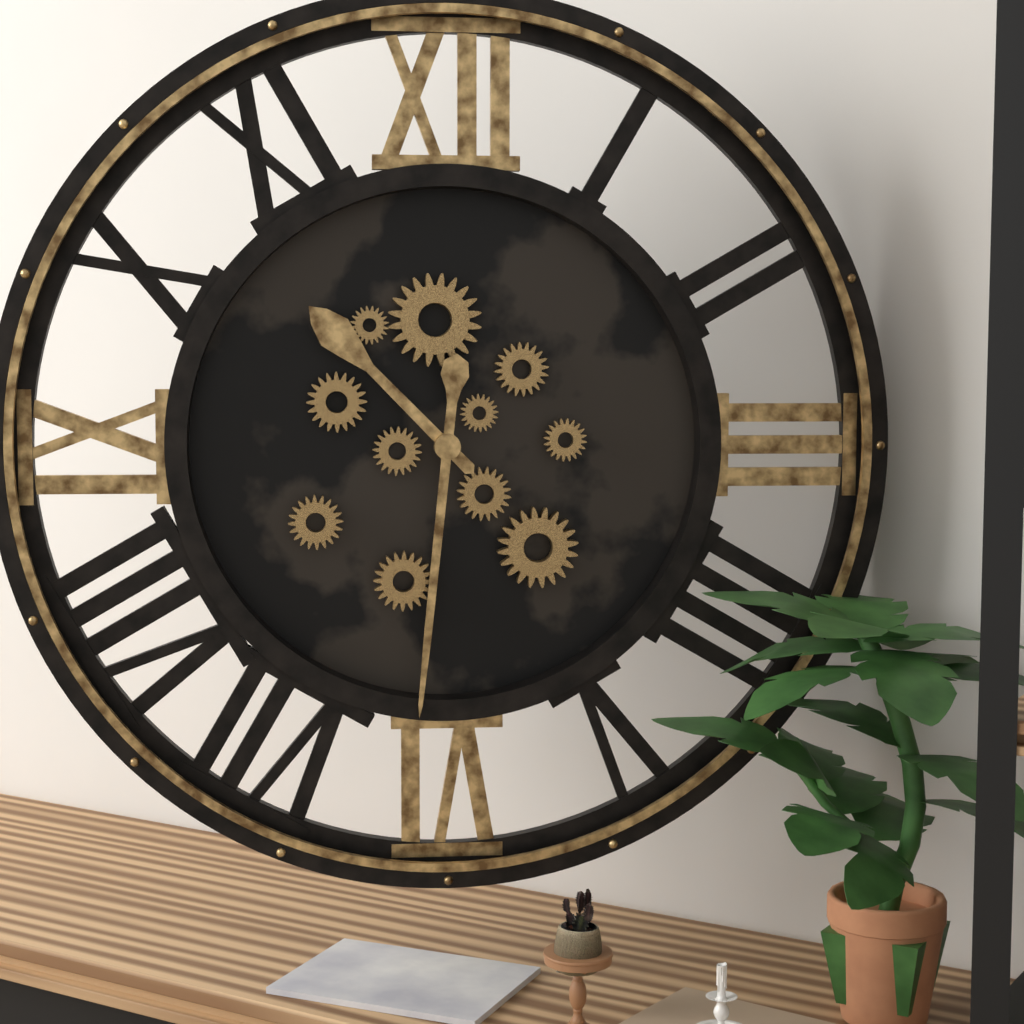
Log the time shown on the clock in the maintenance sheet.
10:31
